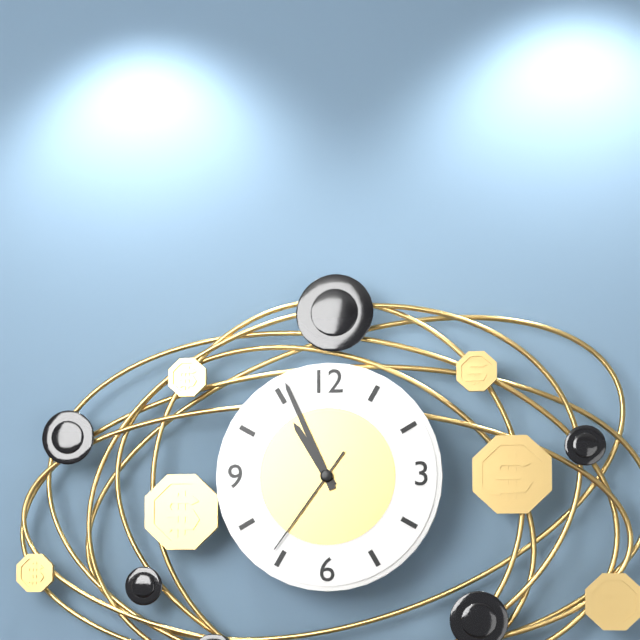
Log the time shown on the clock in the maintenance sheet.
10:56:36
